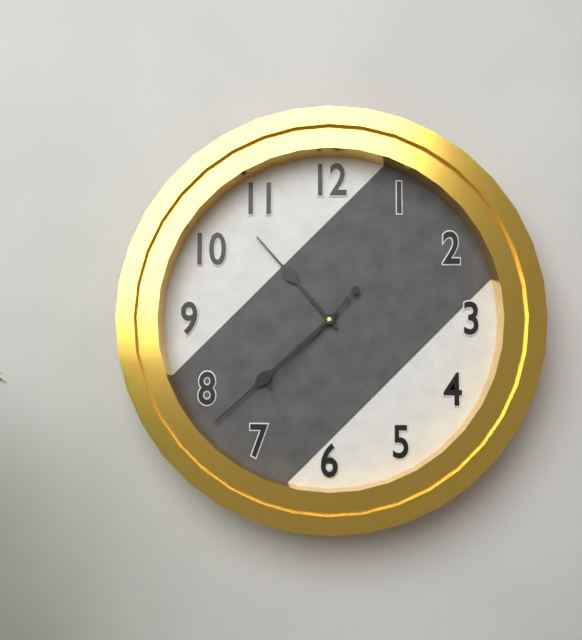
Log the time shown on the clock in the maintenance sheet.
10:38:37
